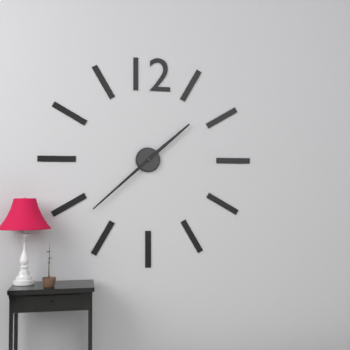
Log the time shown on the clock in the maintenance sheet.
1:38
